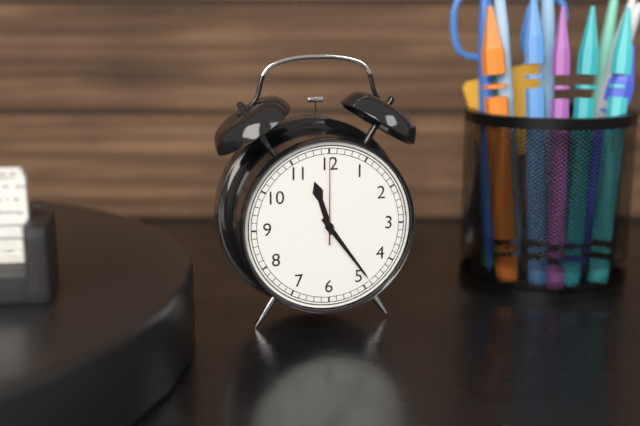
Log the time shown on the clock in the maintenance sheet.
11:24:00
